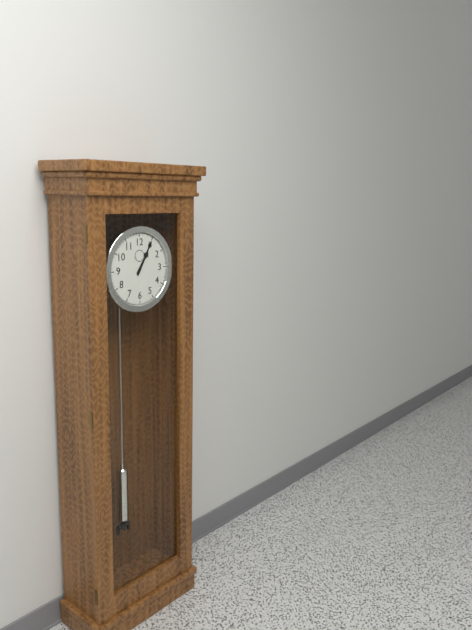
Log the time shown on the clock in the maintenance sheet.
1:05
